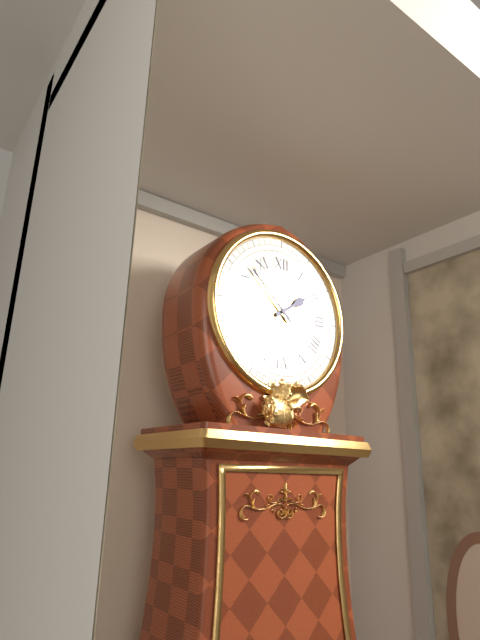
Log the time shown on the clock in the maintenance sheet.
1:52
